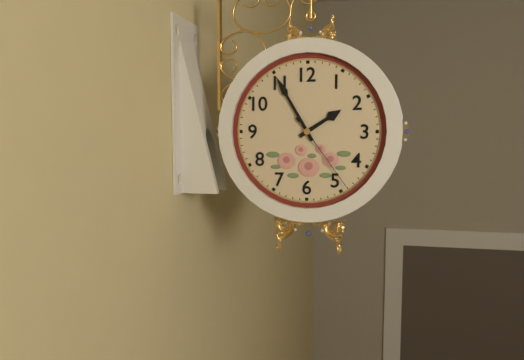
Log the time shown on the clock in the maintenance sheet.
1:55:24
